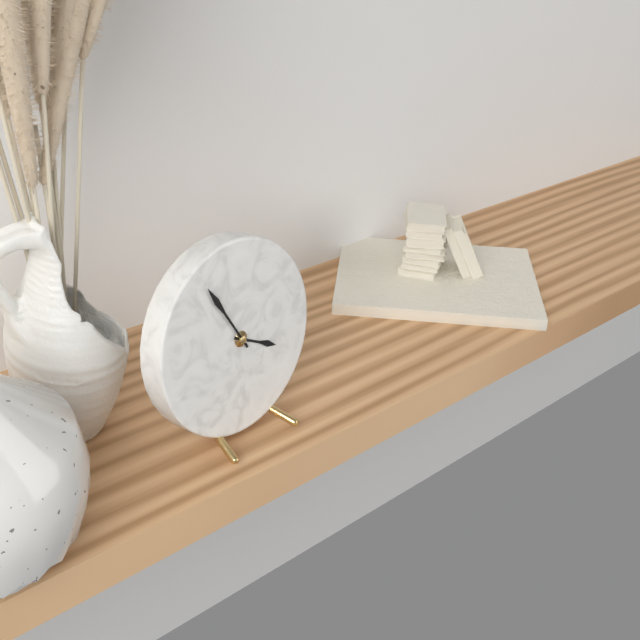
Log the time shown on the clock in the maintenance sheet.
3:55
